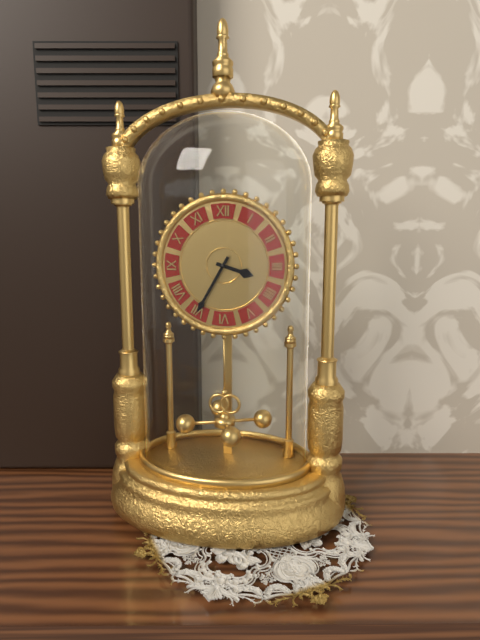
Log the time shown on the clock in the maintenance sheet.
3:35
